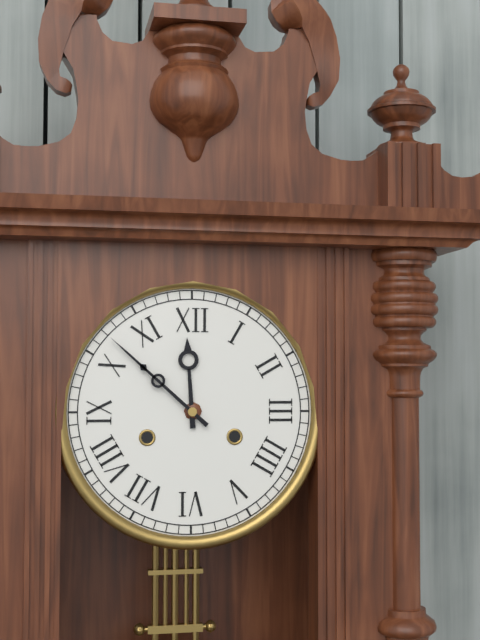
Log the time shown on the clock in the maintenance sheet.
11:52
